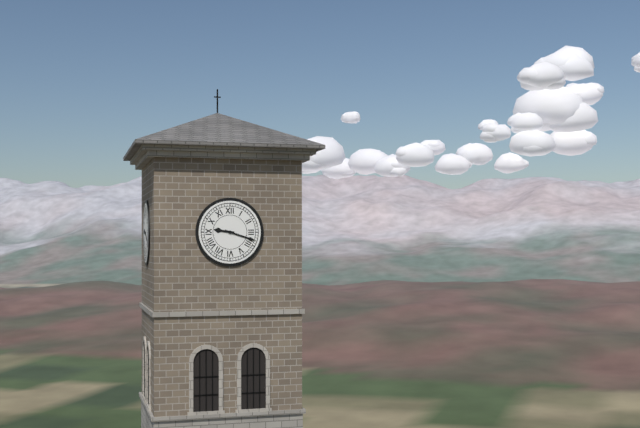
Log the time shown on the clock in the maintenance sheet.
9:18
